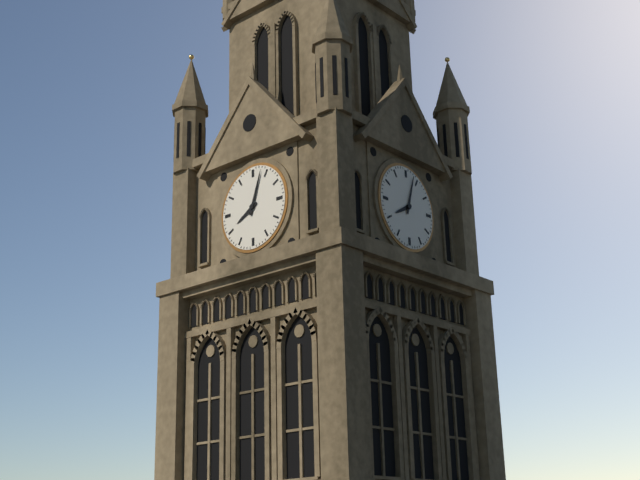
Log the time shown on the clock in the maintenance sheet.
8:03
